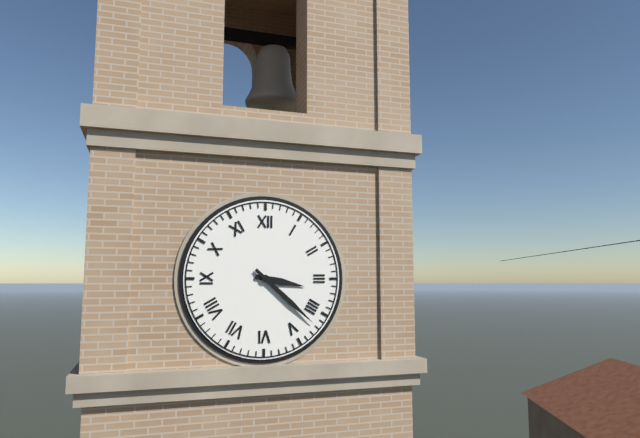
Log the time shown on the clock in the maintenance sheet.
3:22
